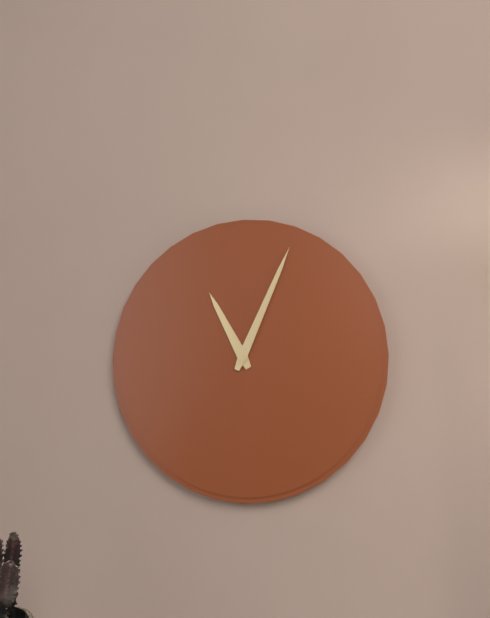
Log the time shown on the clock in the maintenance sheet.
11:04
